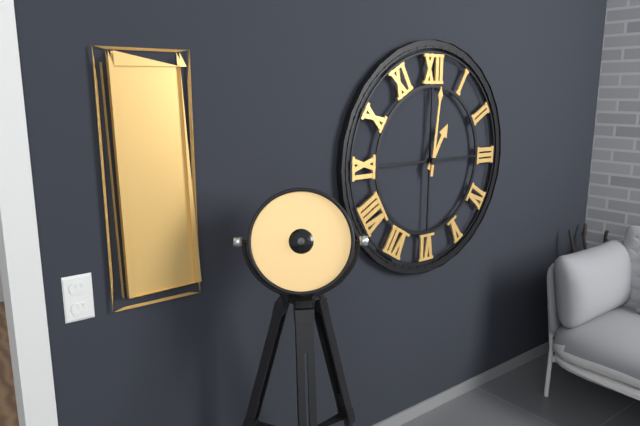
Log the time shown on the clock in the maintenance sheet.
1:01
